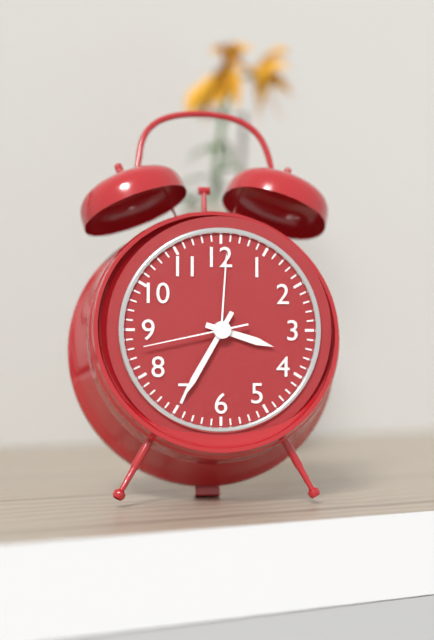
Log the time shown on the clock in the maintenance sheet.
3:35:43
